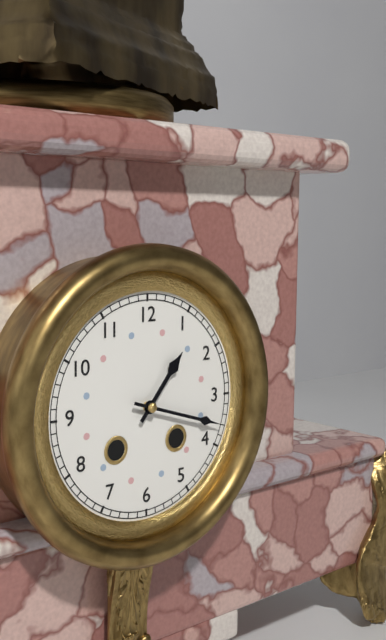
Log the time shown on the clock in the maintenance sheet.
1:18
